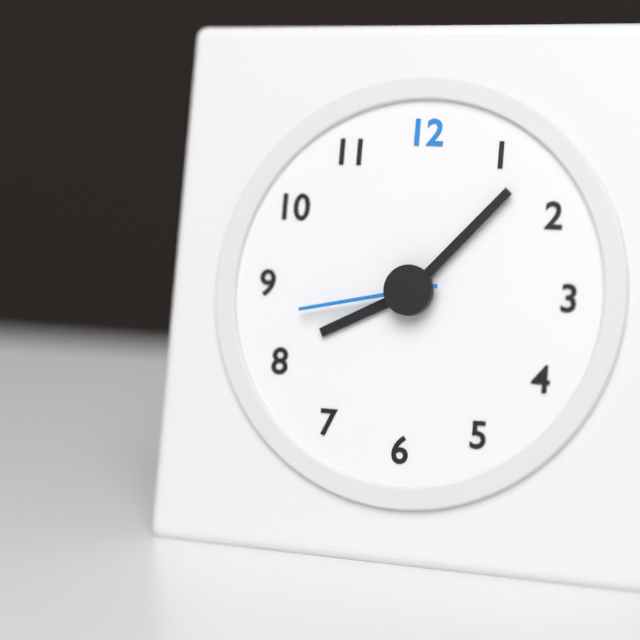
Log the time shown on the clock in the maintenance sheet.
8:07:43
